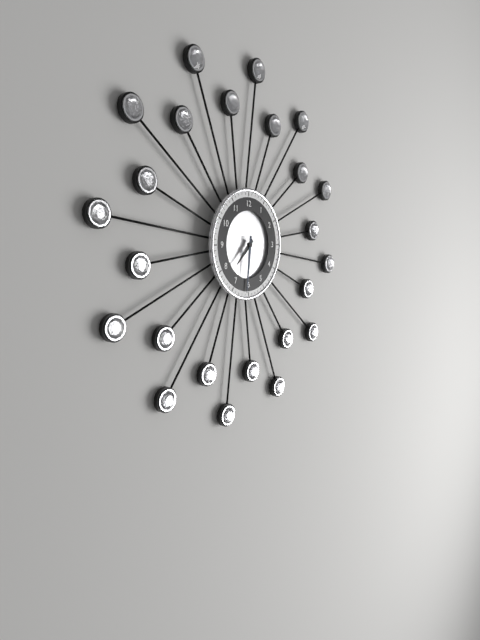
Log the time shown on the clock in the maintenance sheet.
7:31
